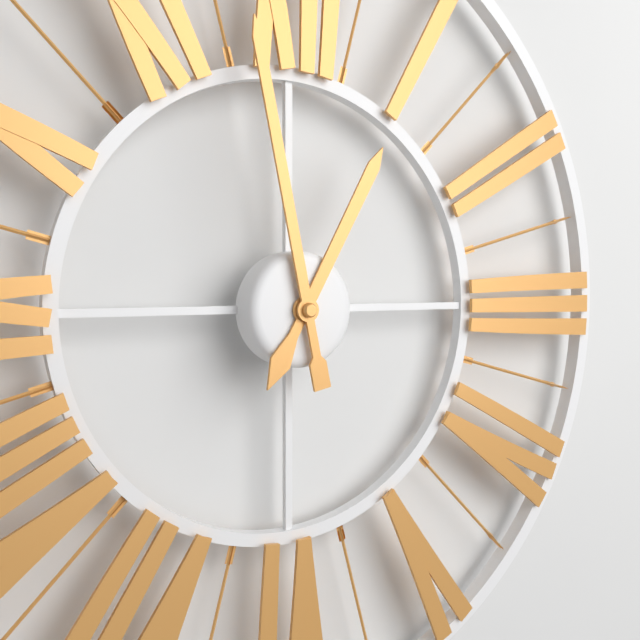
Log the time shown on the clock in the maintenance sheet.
12:58
